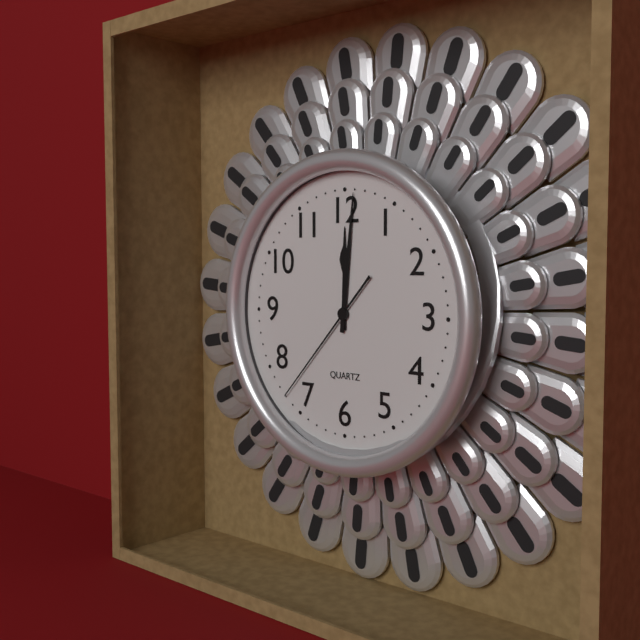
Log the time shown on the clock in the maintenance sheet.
12:01:37
